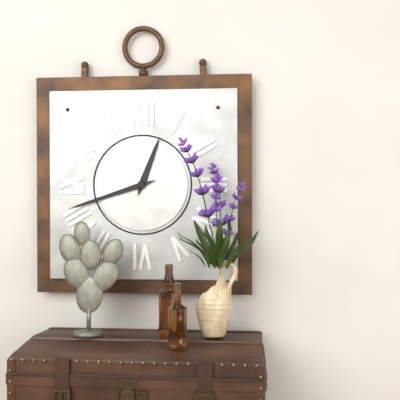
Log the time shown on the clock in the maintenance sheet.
12:42
